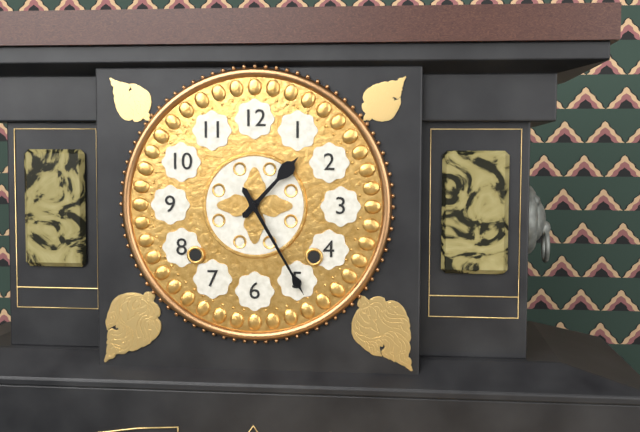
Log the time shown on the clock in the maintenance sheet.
1:25
